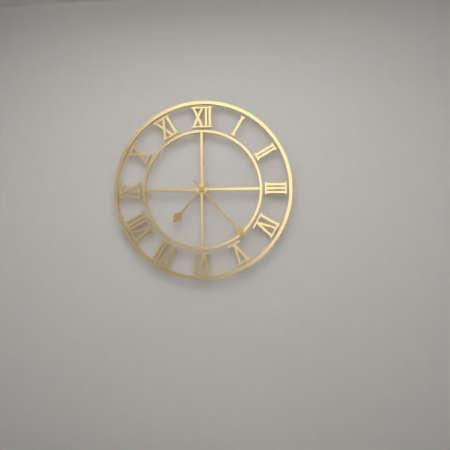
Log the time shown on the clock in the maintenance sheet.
7:23
